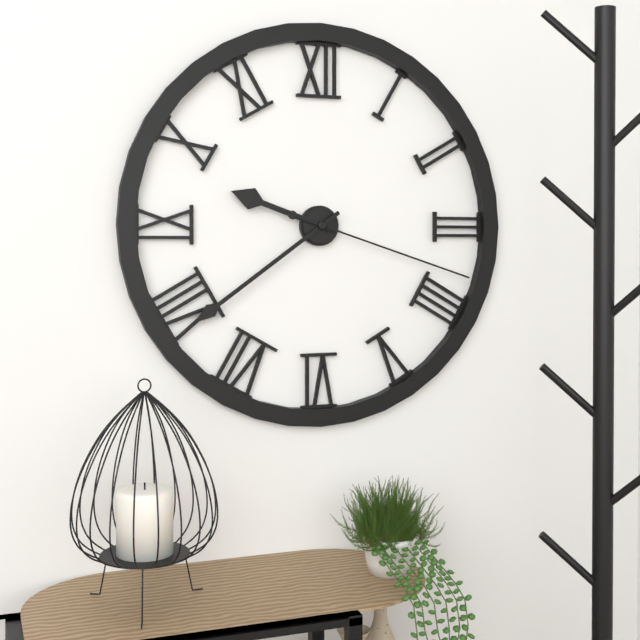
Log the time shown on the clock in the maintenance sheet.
9:39:18
